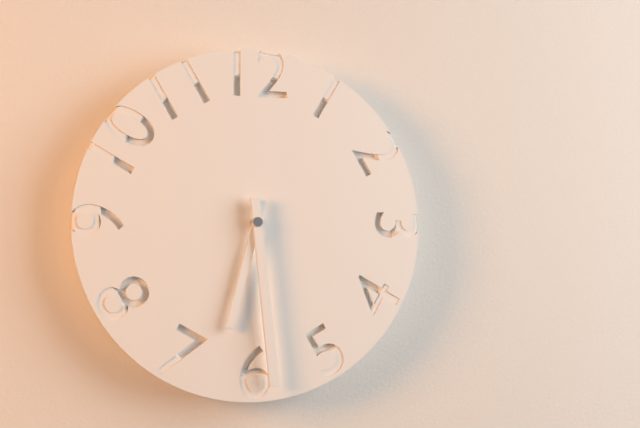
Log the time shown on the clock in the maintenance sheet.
6:29
